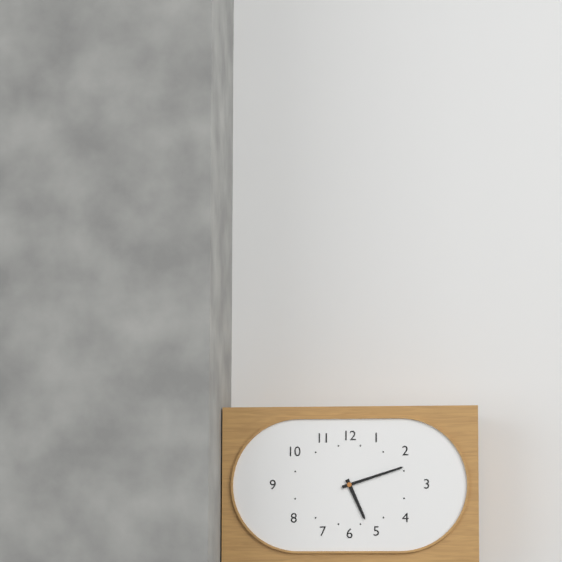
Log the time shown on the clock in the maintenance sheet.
5:12
